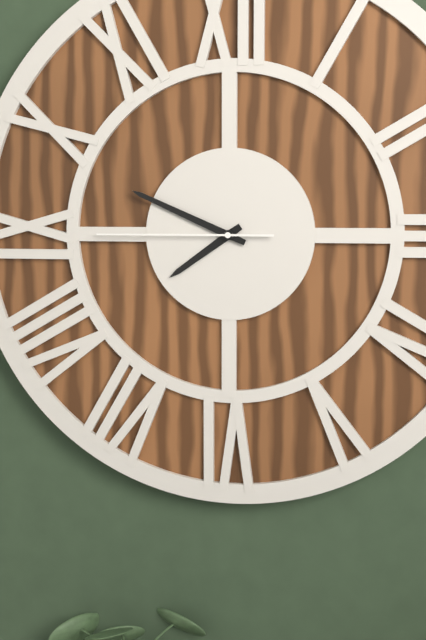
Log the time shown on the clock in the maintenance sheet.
7:49:45
